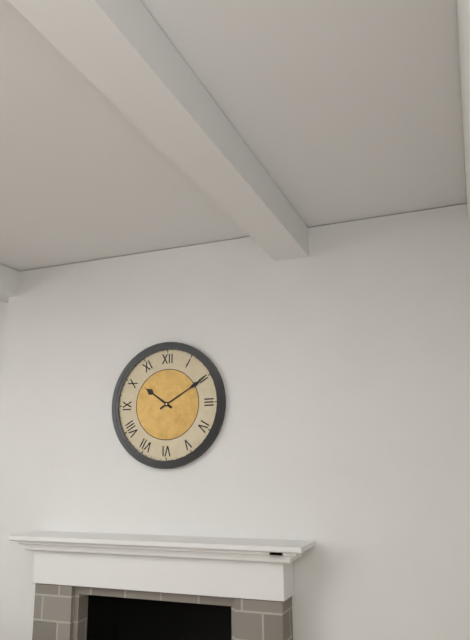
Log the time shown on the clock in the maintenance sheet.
10:10
